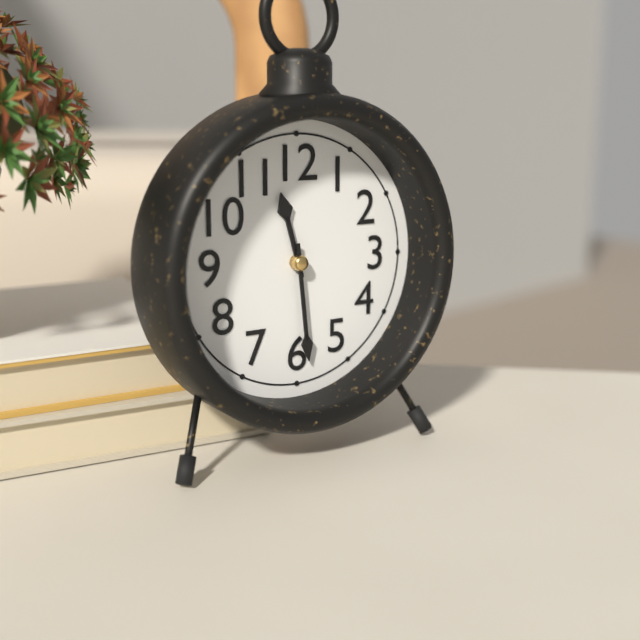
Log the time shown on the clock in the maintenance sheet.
11:29
